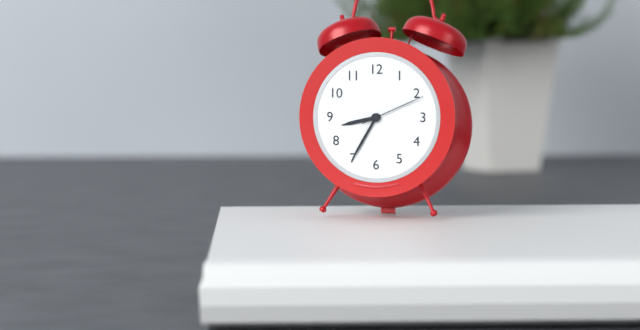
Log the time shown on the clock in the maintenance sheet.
8:35:11
